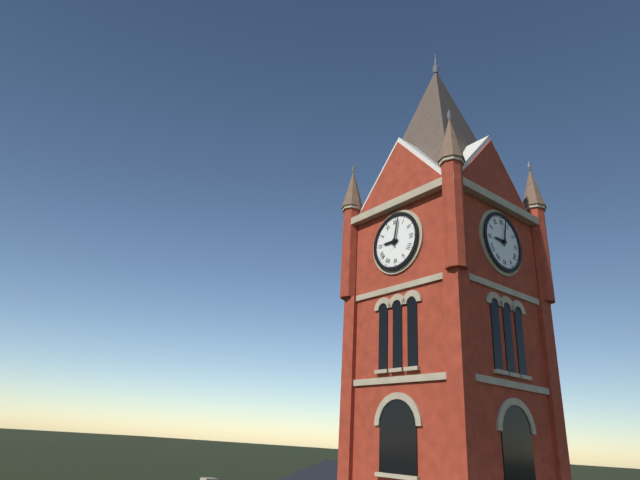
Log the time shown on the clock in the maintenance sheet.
9:02
